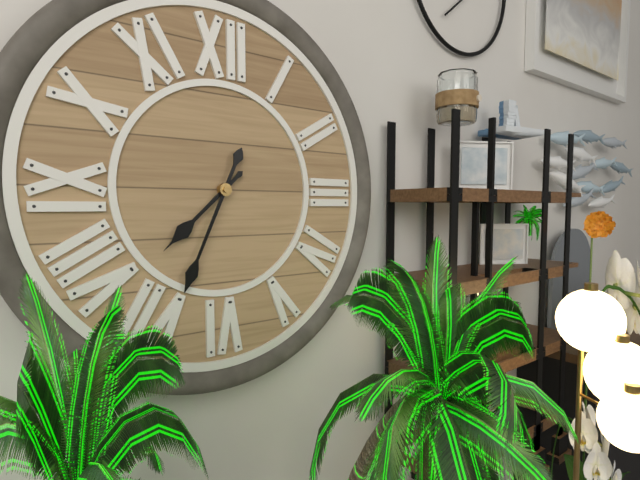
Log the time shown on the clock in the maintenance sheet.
7:34
